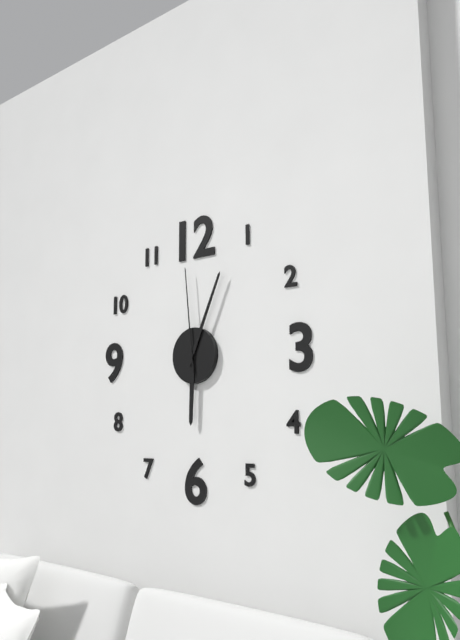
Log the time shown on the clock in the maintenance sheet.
6:04:59
